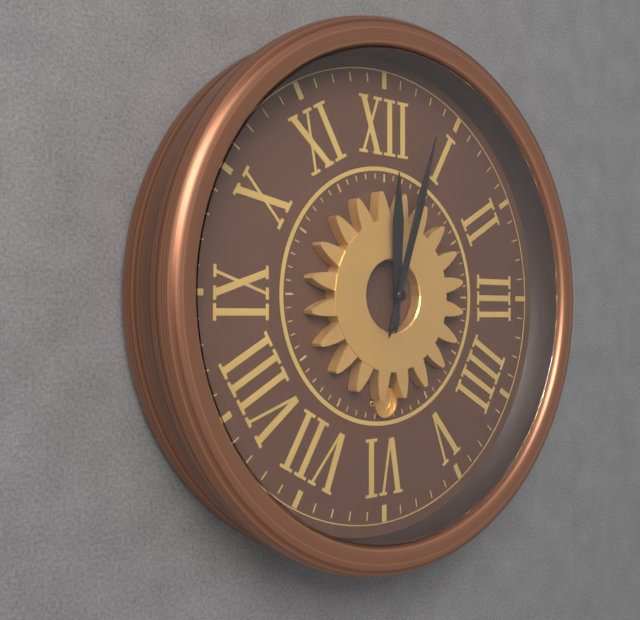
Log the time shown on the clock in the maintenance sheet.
12:03
